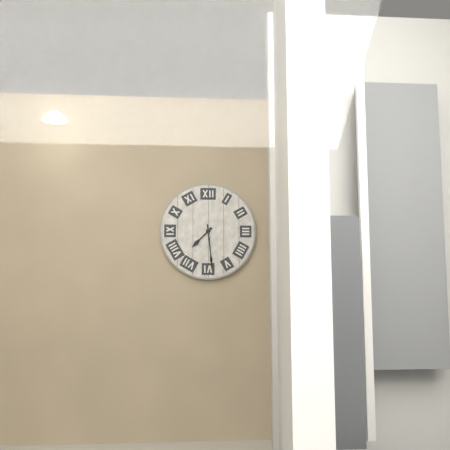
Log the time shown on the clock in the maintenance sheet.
7:29
